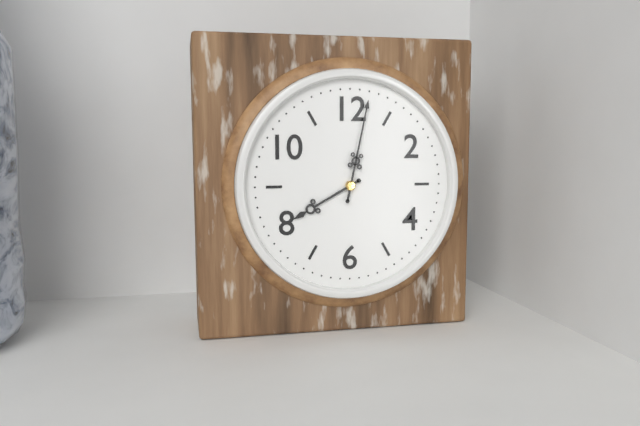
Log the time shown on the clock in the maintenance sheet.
8:02
